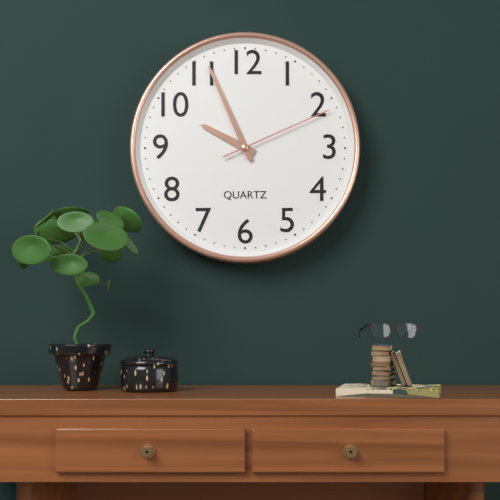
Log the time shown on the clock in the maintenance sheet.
9:56:11
